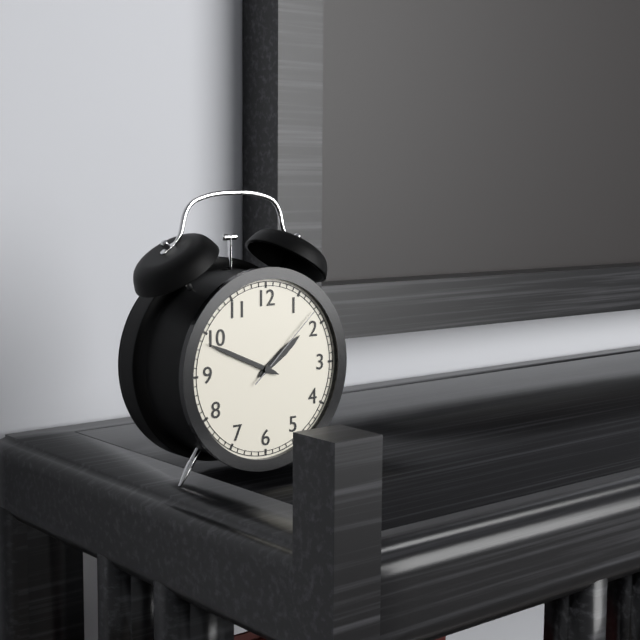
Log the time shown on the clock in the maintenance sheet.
1:49:08
